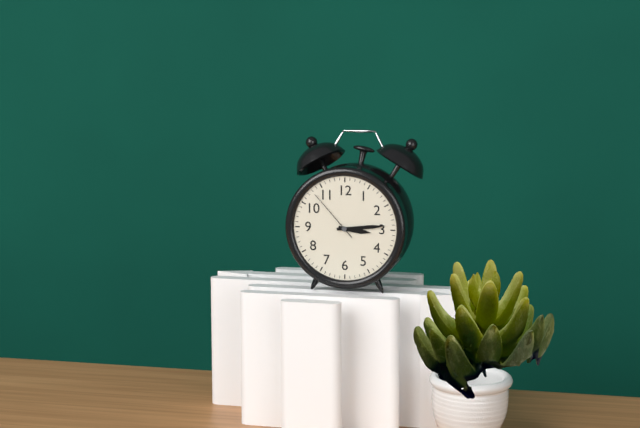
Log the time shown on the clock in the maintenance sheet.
3:14:53
